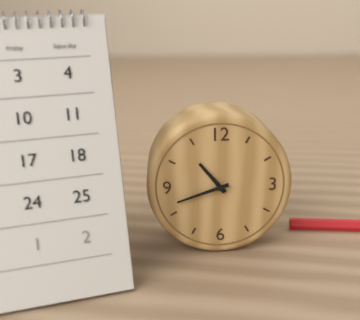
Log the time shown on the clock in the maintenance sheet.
10:42
